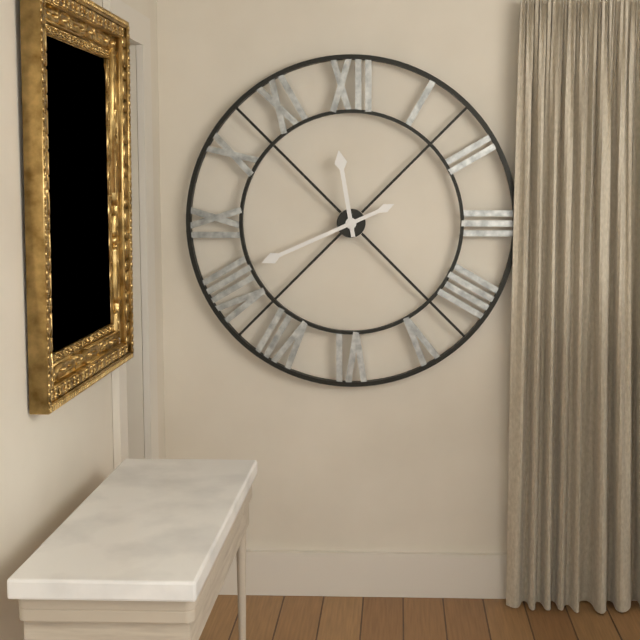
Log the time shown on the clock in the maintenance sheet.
11:41
